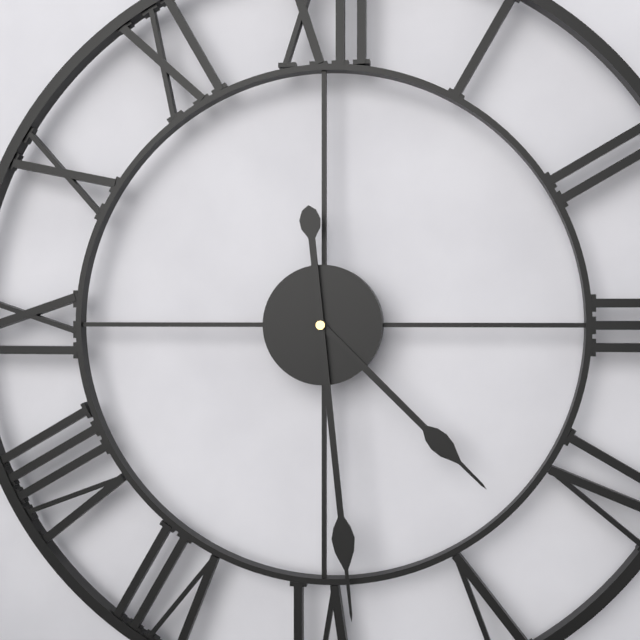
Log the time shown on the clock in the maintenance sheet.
4:29
